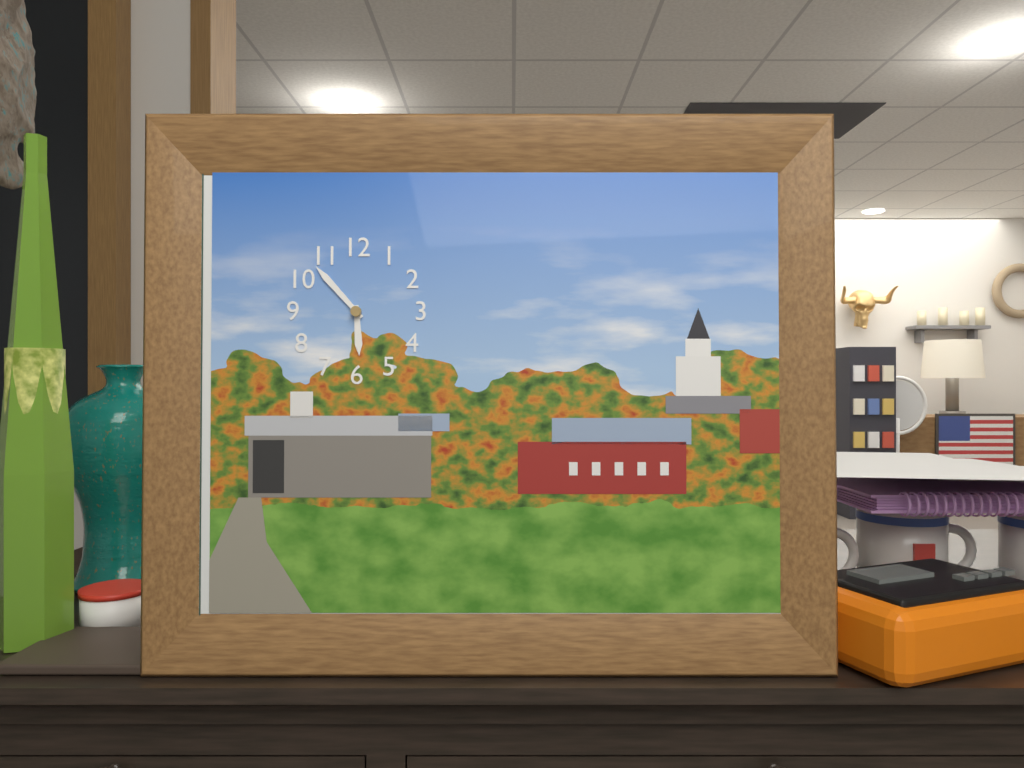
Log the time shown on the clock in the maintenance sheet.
5:53
